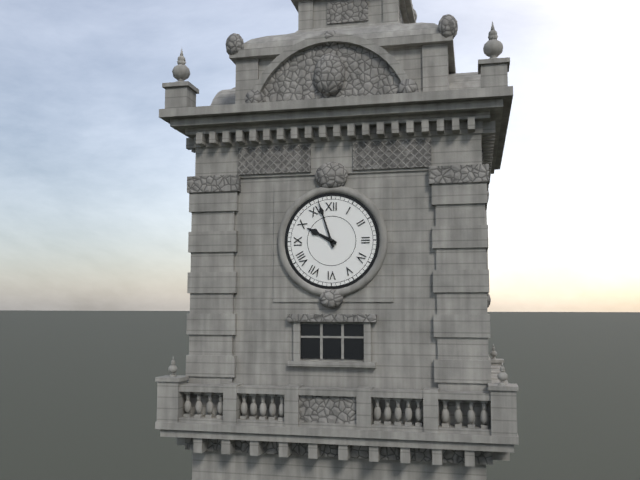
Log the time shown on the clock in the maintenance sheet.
9:57
